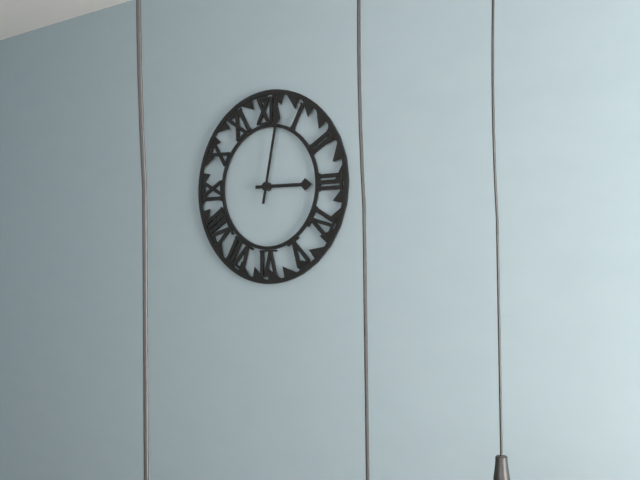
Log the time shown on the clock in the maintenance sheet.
3:02
